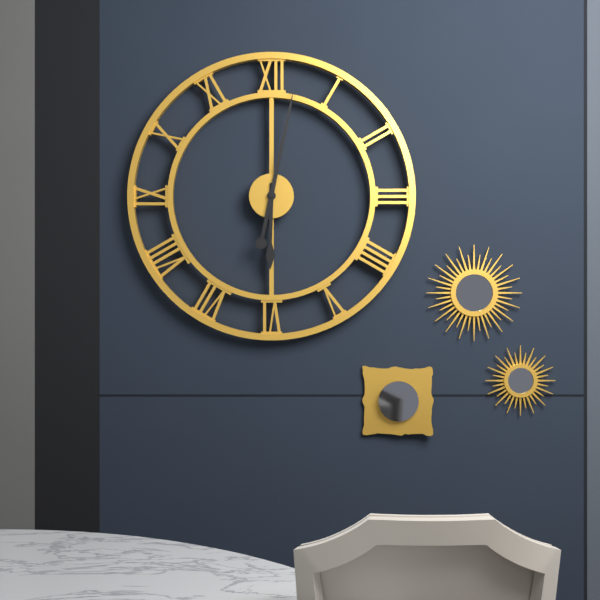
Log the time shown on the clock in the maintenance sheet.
6:02
